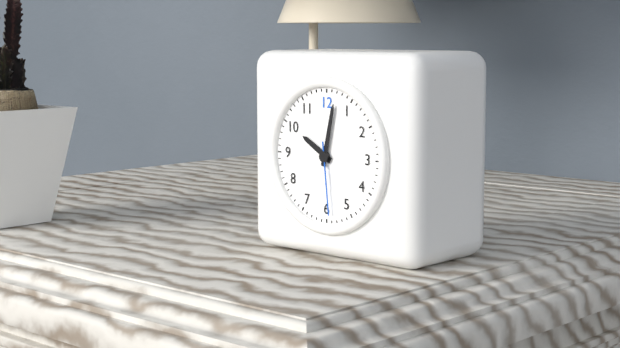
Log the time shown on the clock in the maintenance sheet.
10:02:29
